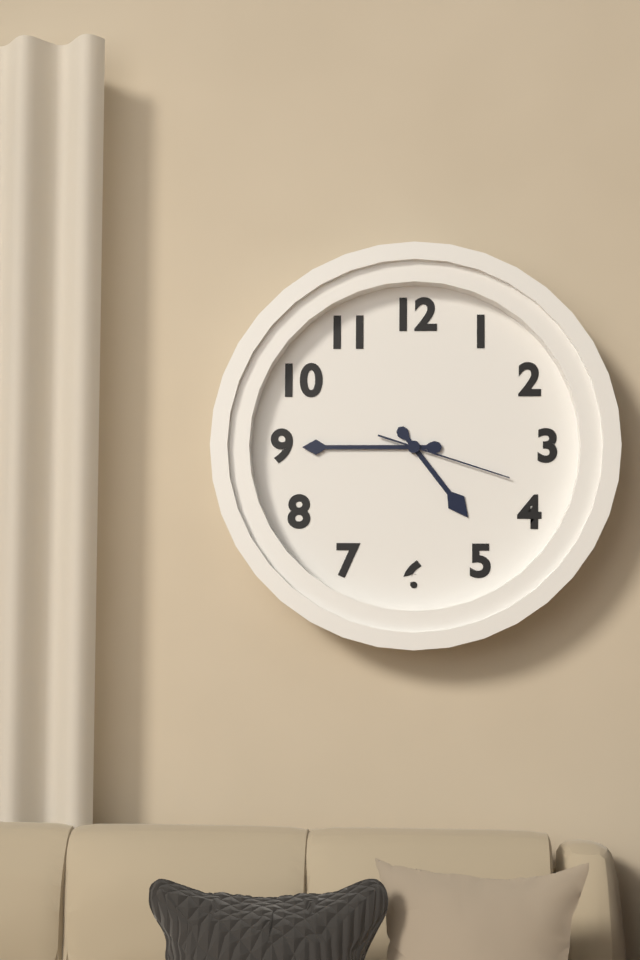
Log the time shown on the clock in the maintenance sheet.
4:45:18
